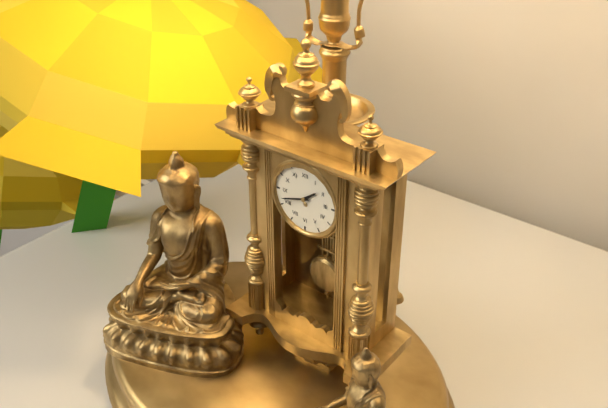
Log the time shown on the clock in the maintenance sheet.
1:42
